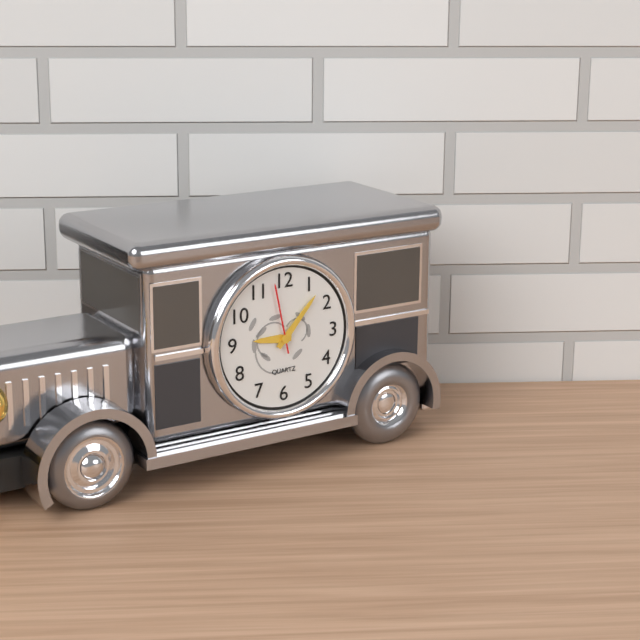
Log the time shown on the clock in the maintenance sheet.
9:07:58
